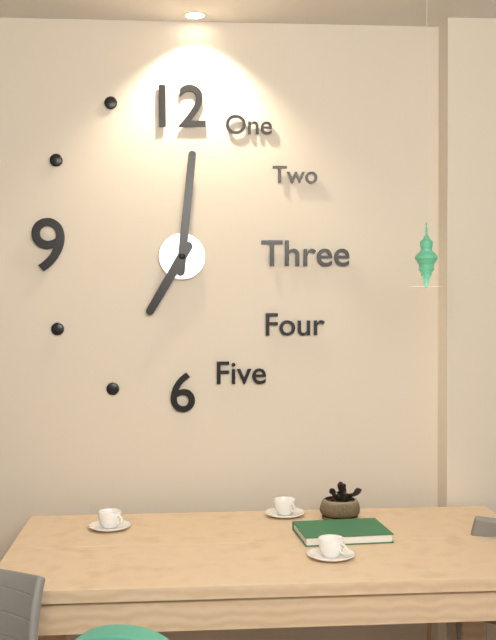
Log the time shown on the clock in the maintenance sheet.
7:01
